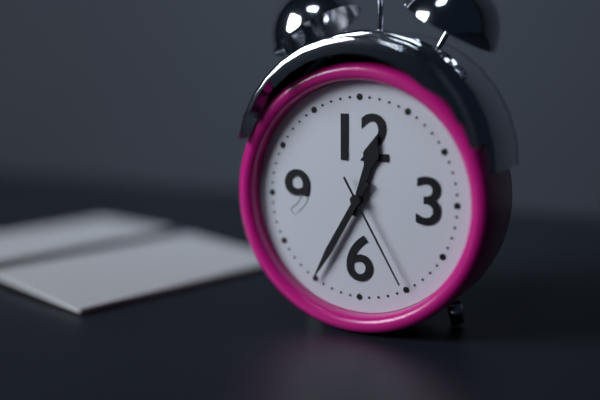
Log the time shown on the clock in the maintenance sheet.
12:35:25
